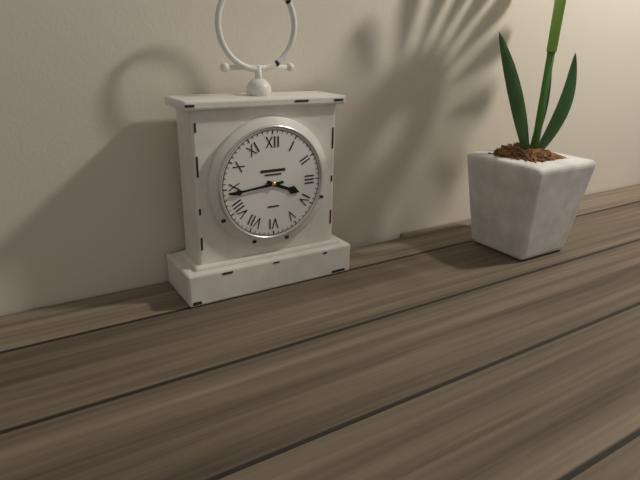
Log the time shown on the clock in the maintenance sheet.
3:44
